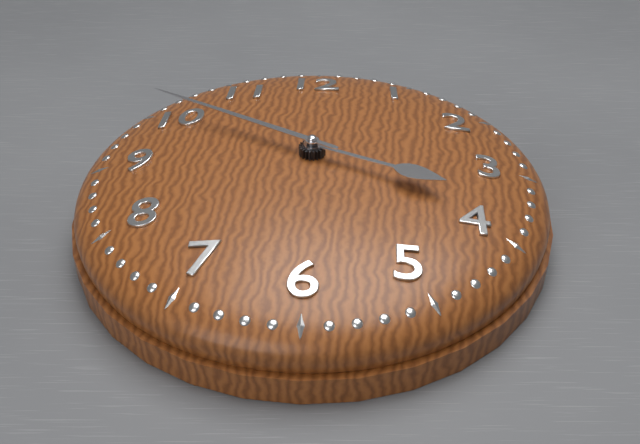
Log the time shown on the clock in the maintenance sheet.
3:50
